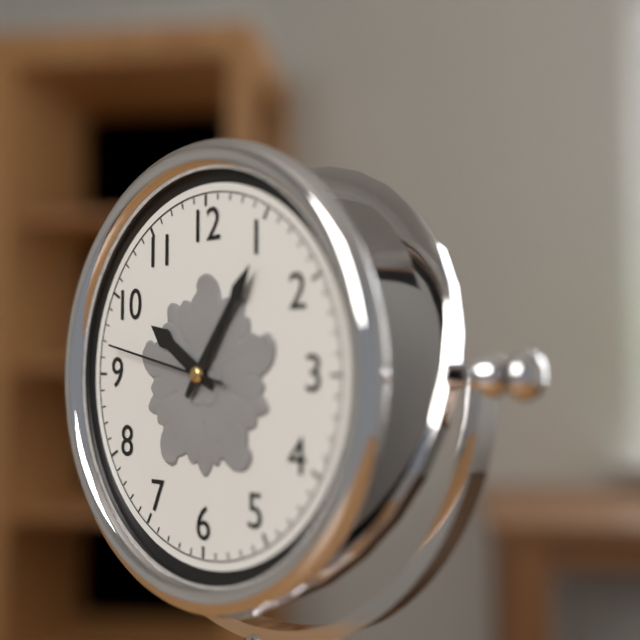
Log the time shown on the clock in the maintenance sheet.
10:06:47
